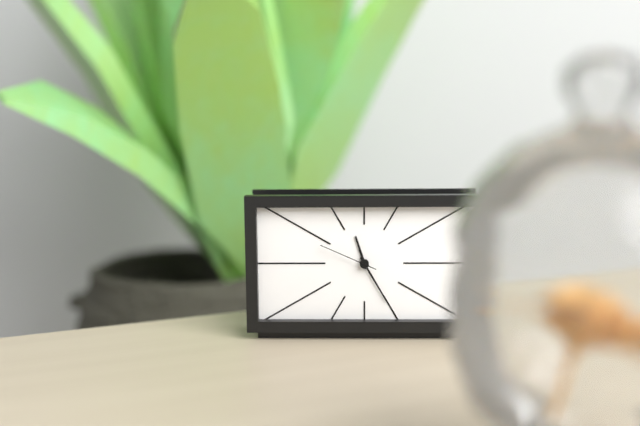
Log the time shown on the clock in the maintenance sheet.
11:25:49
